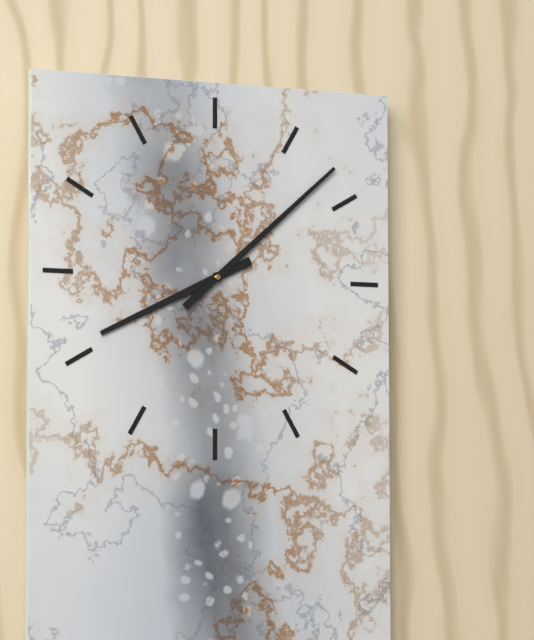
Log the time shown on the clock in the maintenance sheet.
8:08
